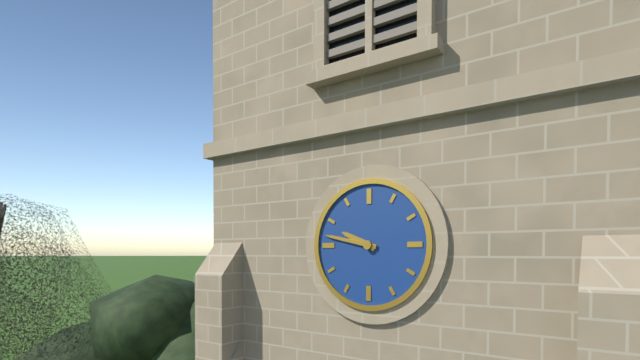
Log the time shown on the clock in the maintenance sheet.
9:47
